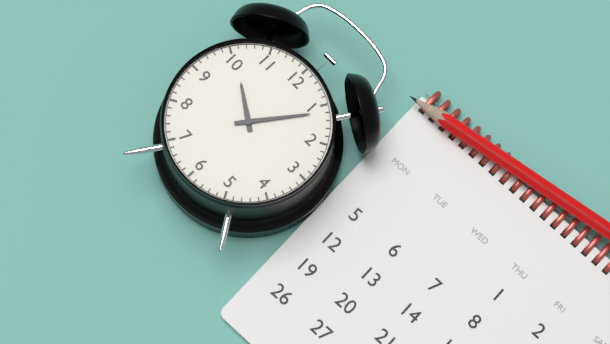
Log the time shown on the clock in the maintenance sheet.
10:06
